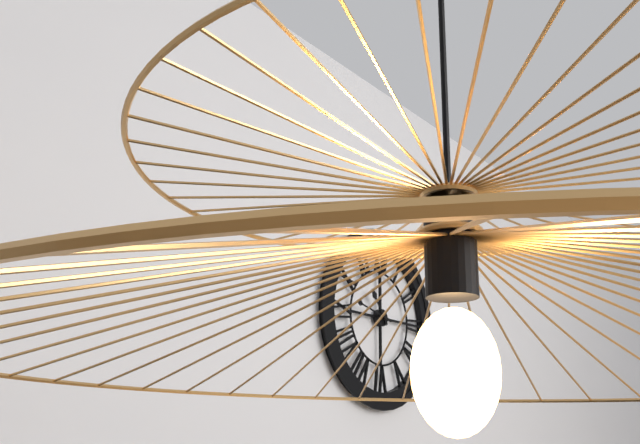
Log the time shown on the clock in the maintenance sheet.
10:47
